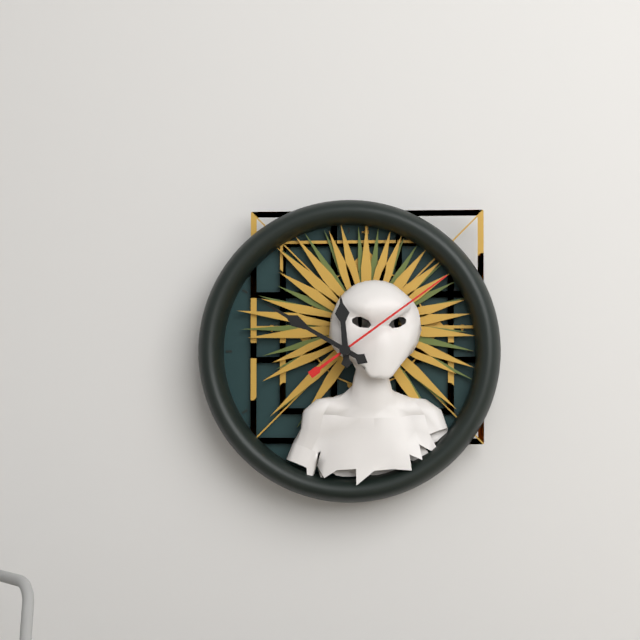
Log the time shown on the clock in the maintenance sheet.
11:50:09
